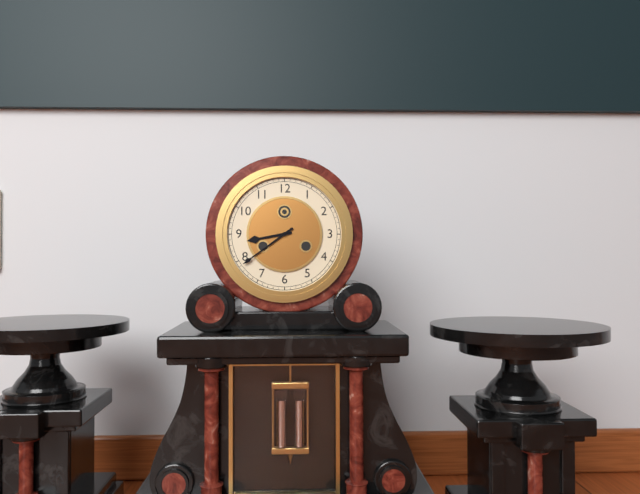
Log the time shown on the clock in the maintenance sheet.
8:39
